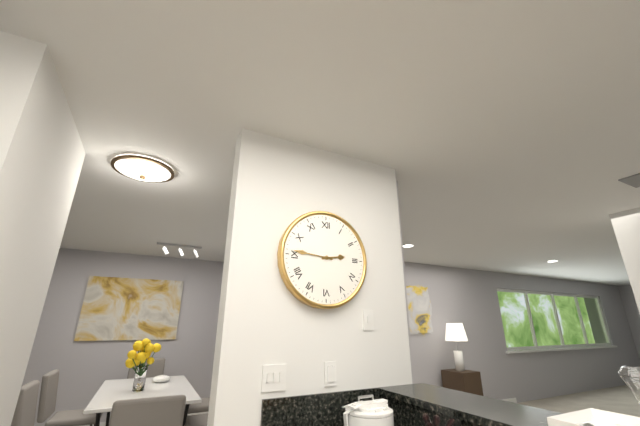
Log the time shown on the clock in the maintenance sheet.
2:46
